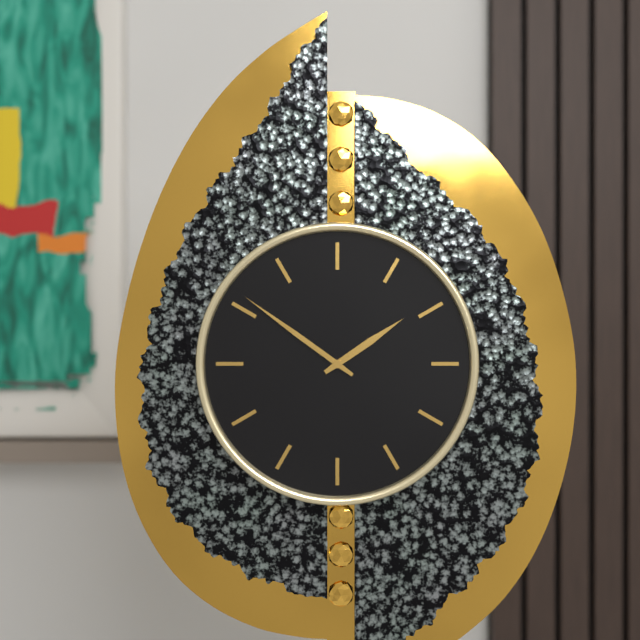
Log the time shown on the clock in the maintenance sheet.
1:51
